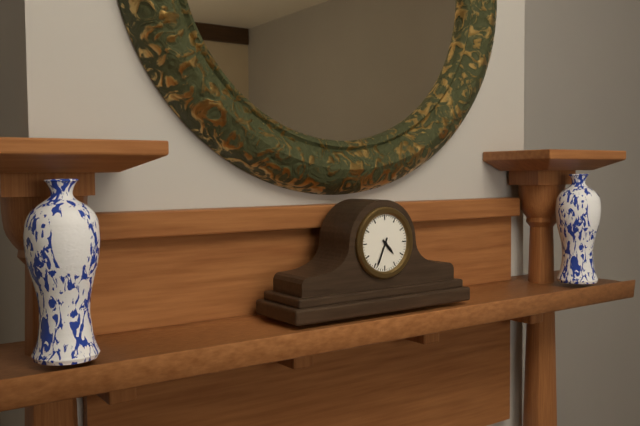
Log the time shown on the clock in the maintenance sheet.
4:34
